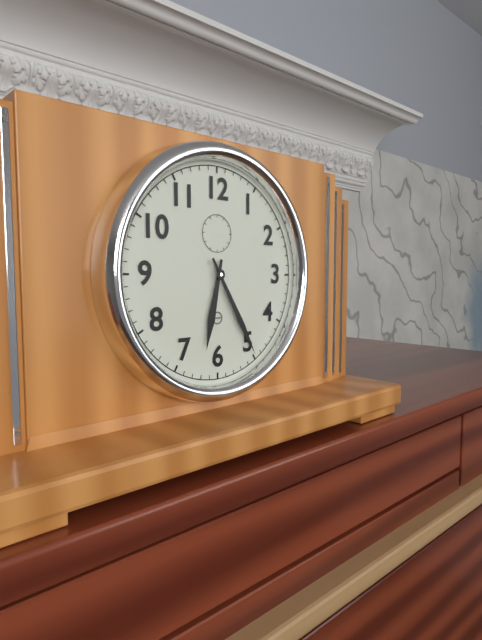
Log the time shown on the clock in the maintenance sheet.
6:25
